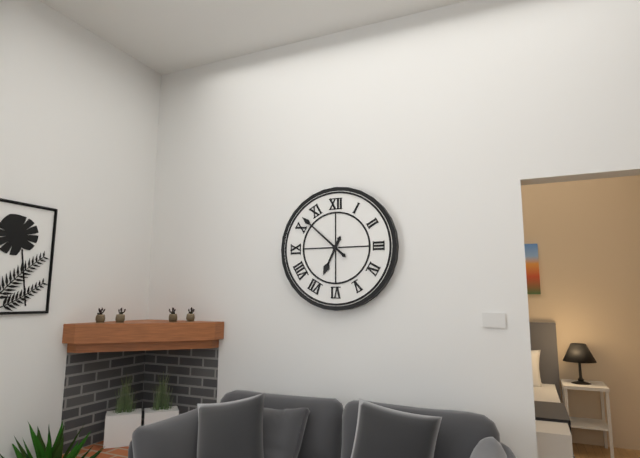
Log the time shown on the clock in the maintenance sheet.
6:52
